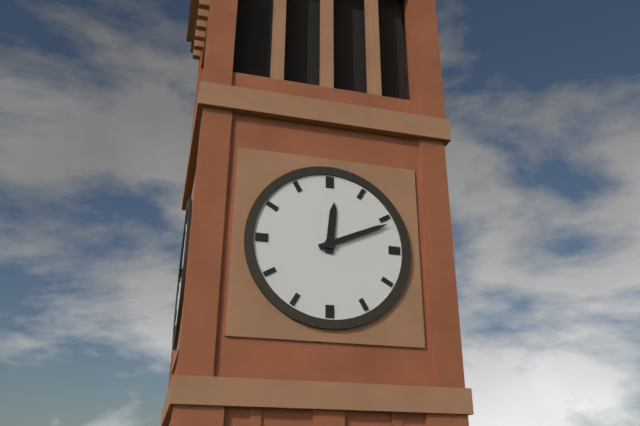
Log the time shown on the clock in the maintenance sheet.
12:11
